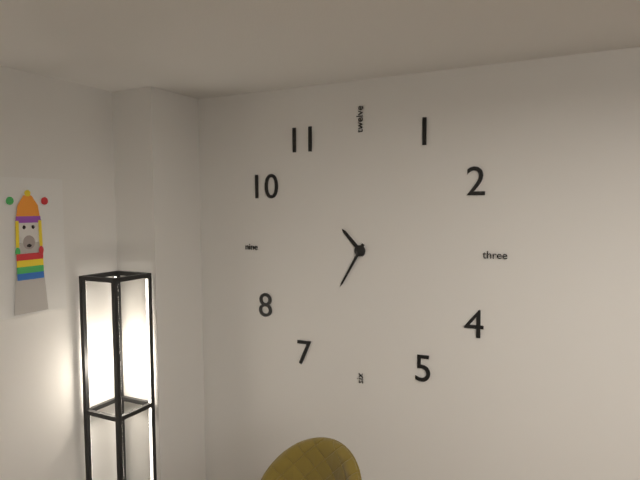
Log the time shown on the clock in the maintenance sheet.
10:35
